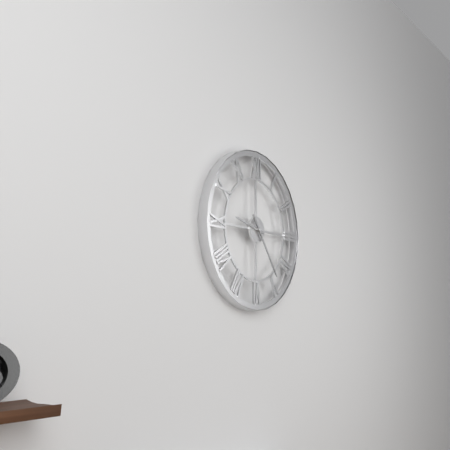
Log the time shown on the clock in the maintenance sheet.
9:24
